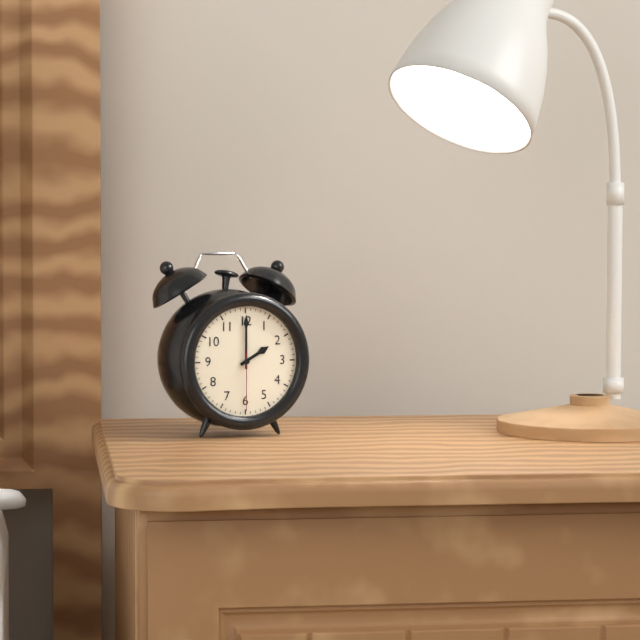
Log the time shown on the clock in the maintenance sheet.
2:00:30
